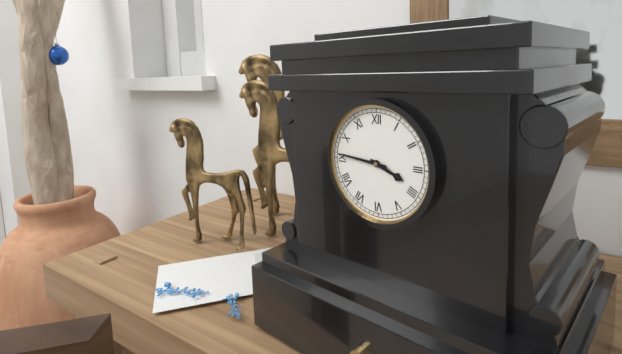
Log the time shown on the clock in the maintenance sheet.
3:46
